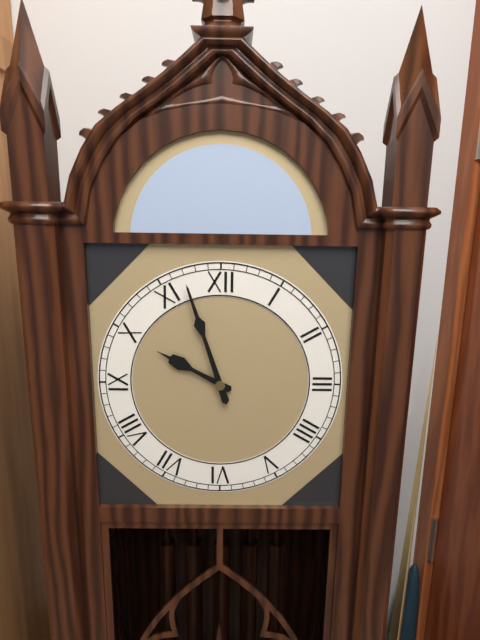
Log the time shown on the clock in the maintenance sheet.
9:57
